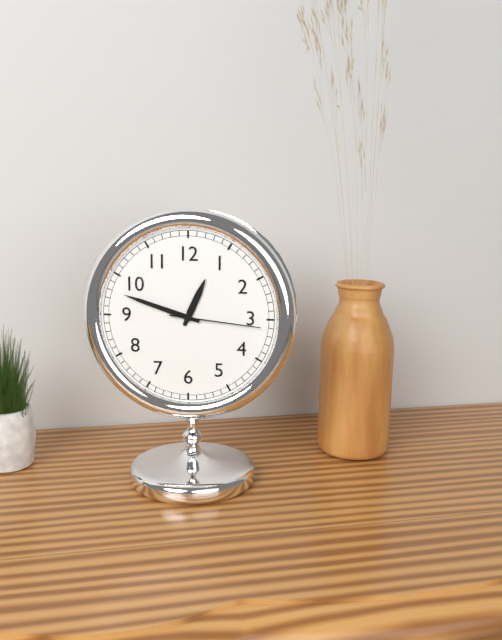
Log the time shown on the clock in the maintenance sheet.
12:48:16
